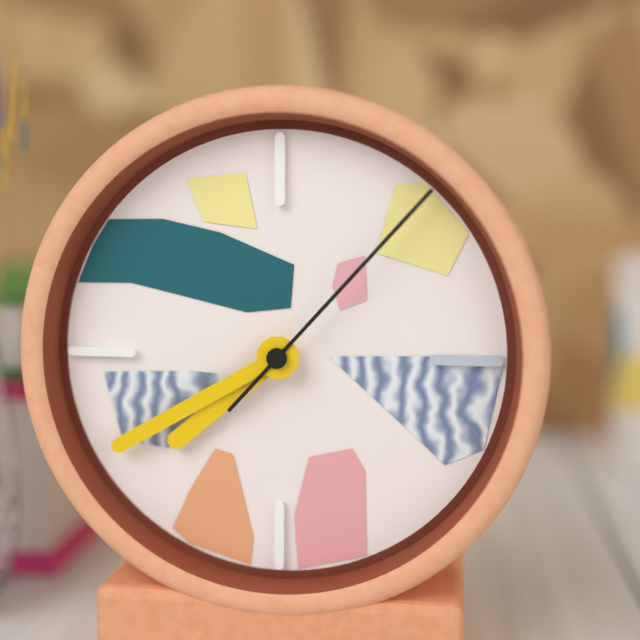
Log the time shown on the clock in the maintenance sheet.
7:40:07
